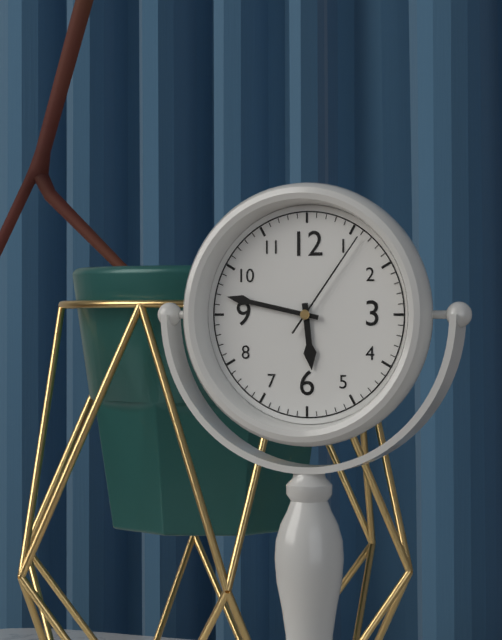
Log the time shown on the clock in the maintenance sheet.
5:47:06
